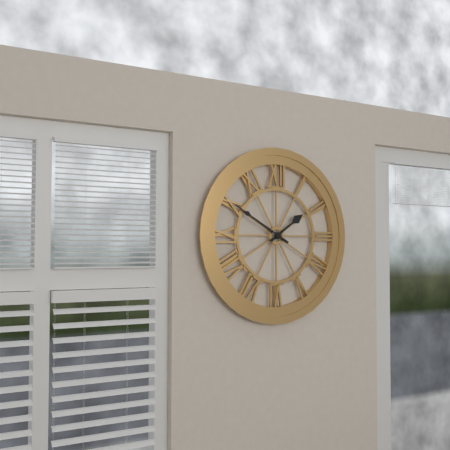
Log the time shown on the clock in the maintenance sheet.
1:50
